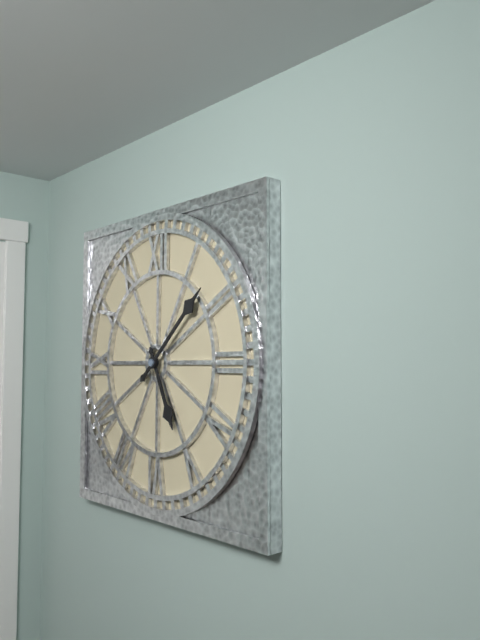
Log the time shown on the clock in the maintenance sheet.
5:08
